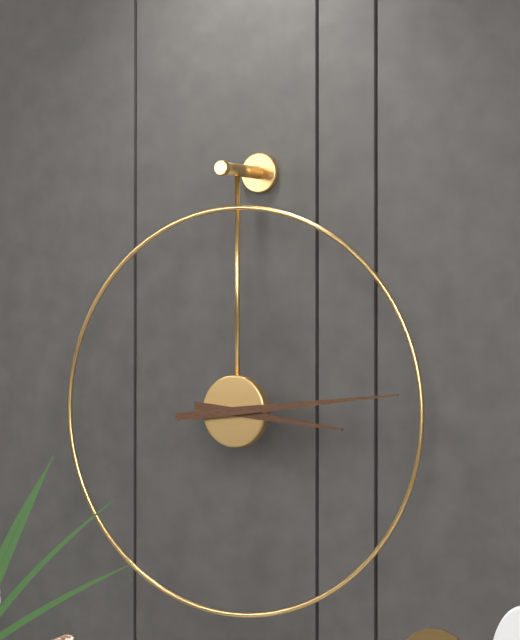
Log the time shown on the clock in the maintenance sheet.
3:14
